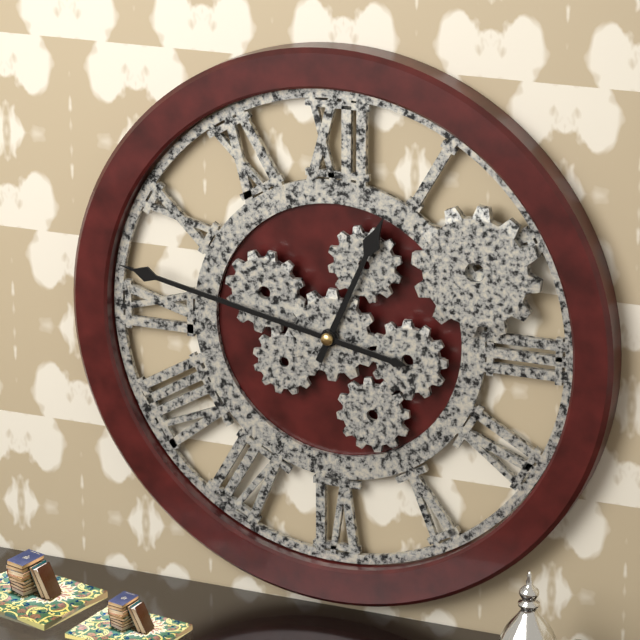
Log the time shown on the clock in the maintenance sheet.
12:47
